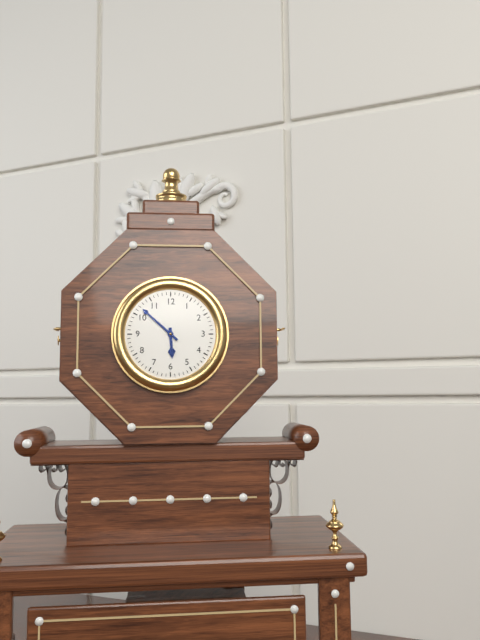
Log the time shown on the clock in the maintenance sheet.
5:52
